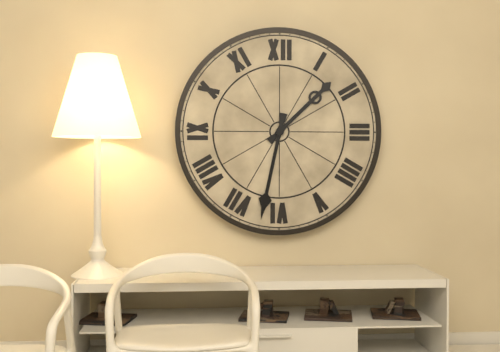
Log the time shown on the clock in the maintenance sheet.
1:32
